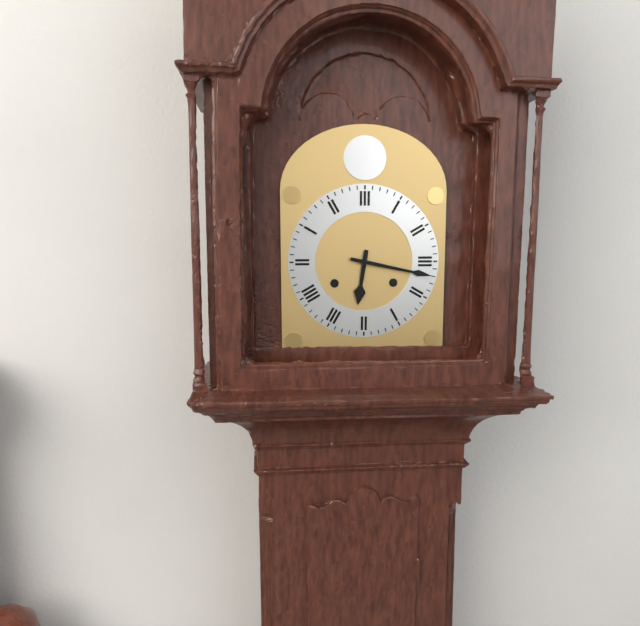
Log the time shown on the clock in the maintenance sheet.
6:17
